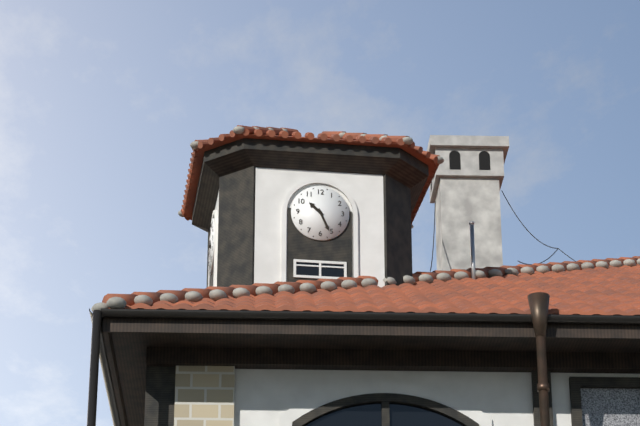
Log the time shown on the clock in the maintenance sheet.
10:26
